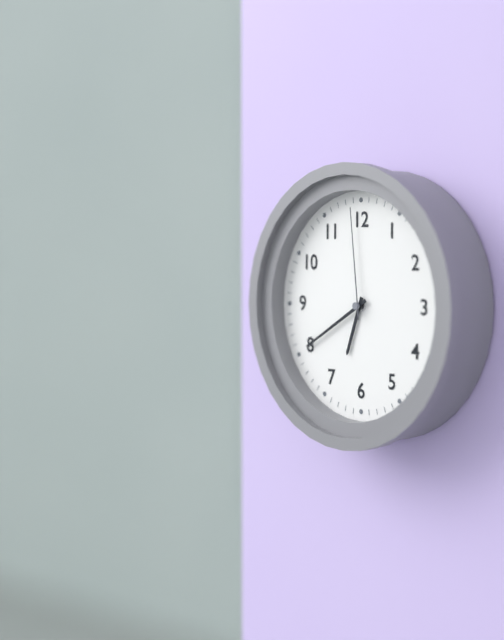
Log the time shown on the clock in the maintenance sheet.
6:40:59
